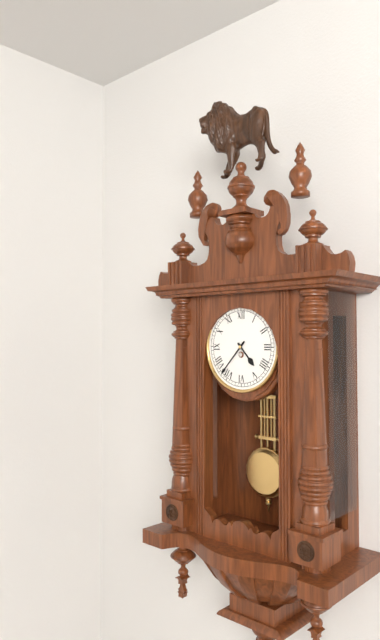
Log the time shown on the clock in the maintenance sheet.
4:37
